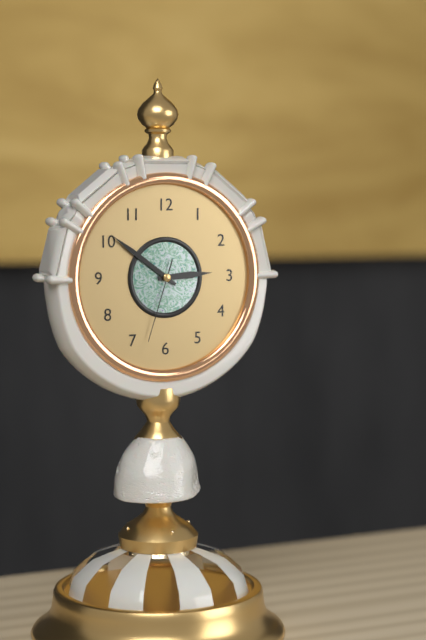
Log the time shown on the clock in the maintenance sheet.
2:51:33
